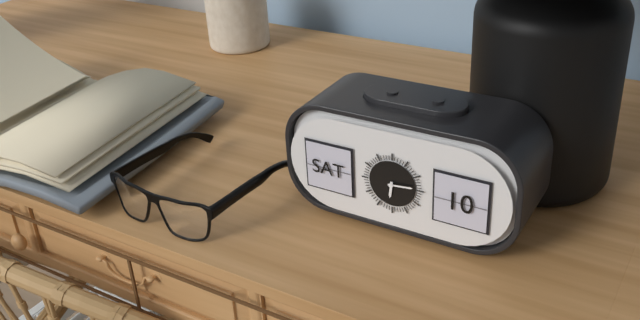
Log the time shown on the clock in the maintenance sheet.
6:14
